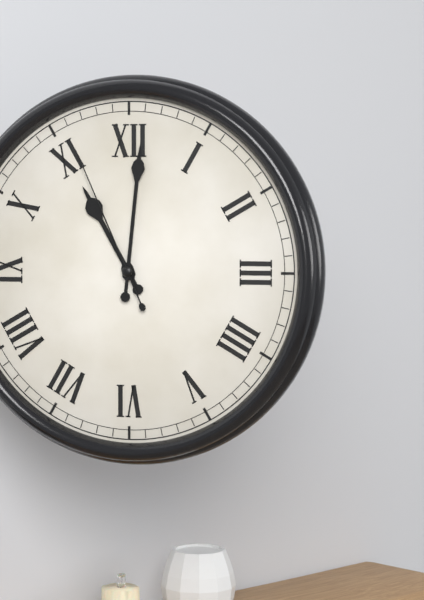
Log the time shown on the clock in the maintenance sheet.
11:01:56
